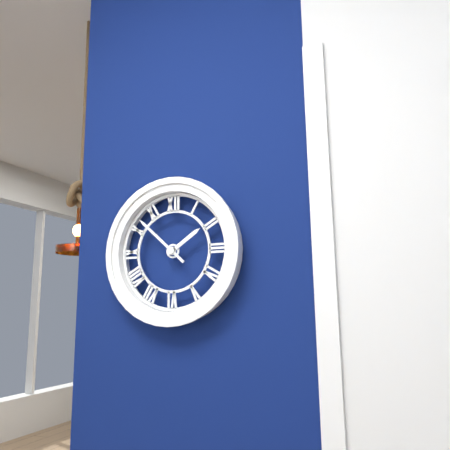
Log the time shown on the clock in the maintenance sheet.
1:52
